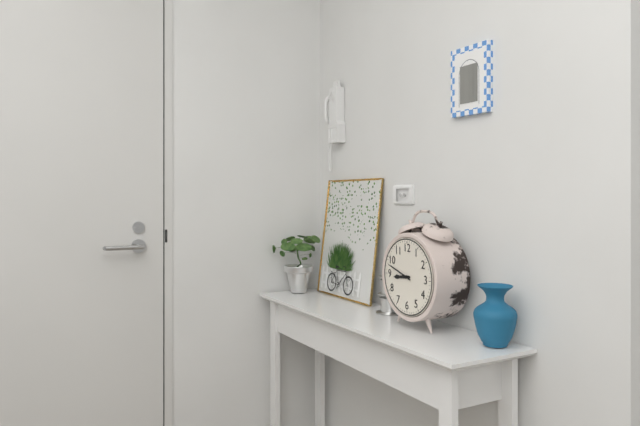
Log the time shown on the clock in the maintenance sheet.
8:48
